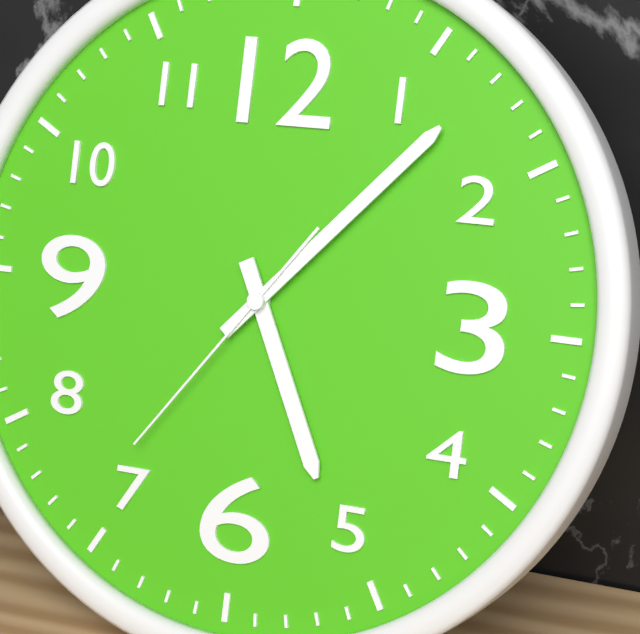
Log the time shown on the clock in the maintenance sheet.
5:07:36
